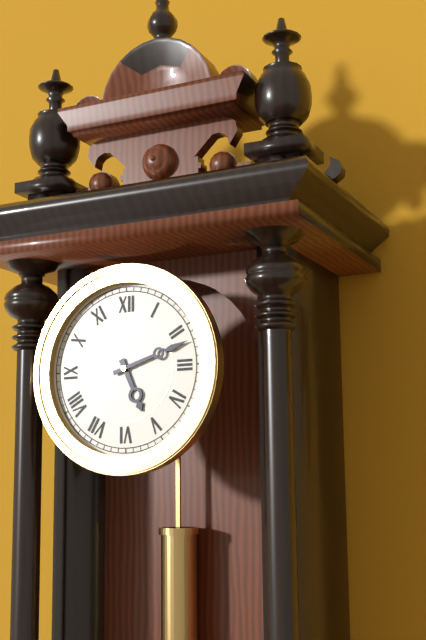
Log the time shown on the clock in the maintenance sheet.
5:12
